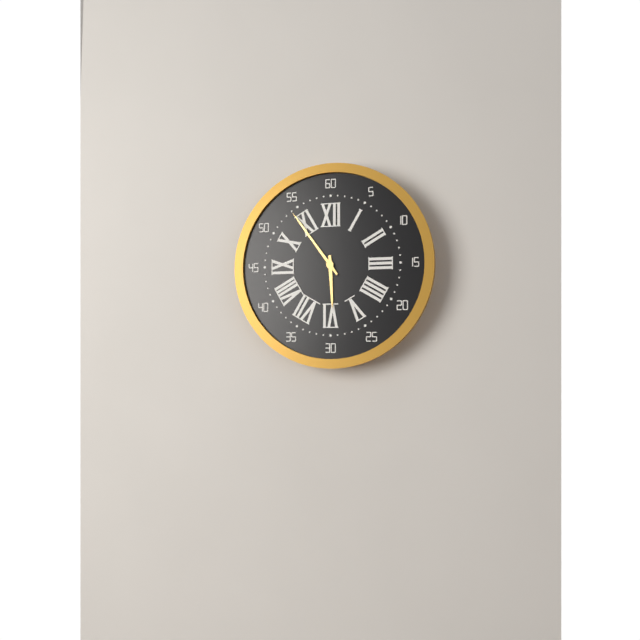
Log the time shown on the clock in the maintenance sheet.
5:54
